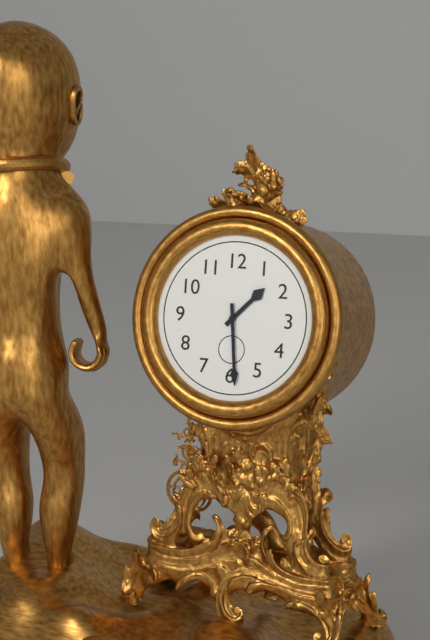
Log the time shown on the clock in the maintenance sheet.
1:29
